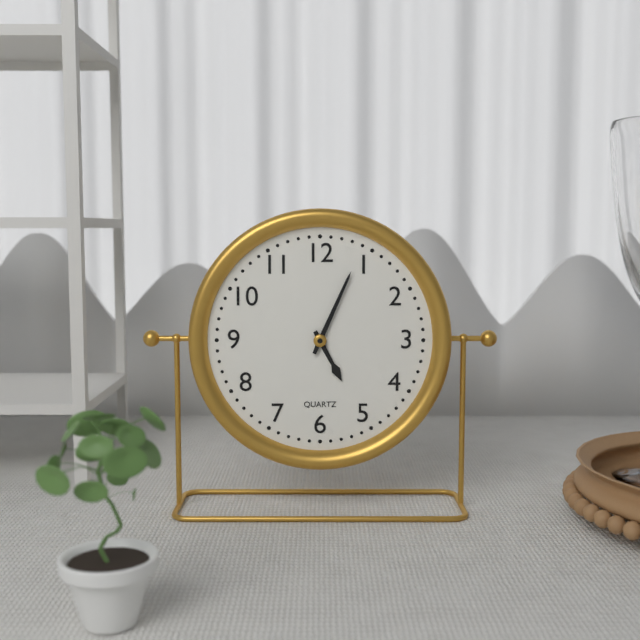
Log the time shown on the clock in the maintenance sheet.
5:04
